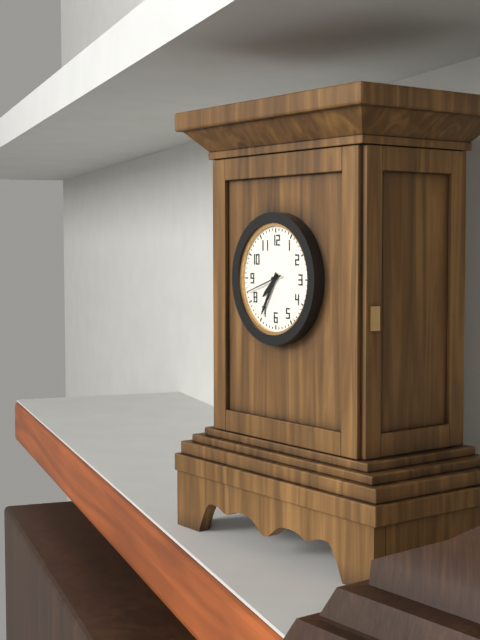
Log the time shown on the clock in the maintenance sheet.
7:35:42
